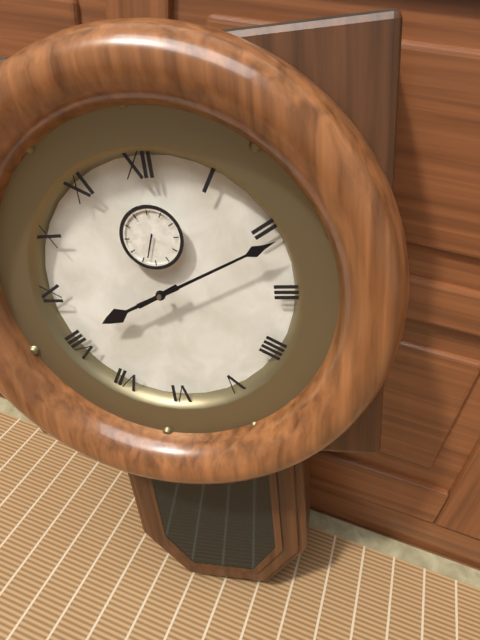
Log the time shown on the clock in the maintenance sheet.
8:11
